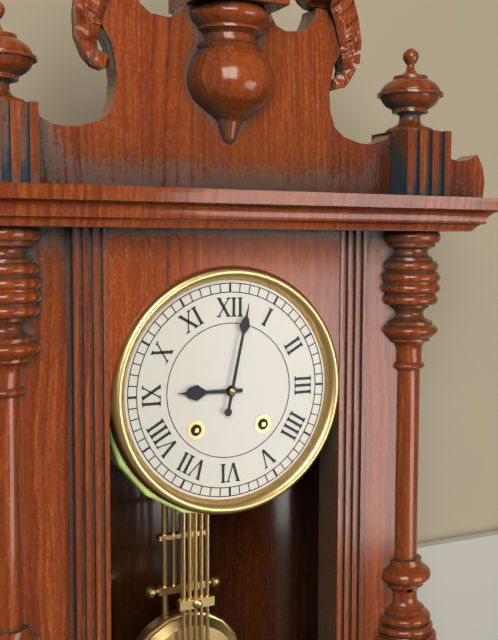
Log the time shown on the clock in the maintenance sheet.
9:02
